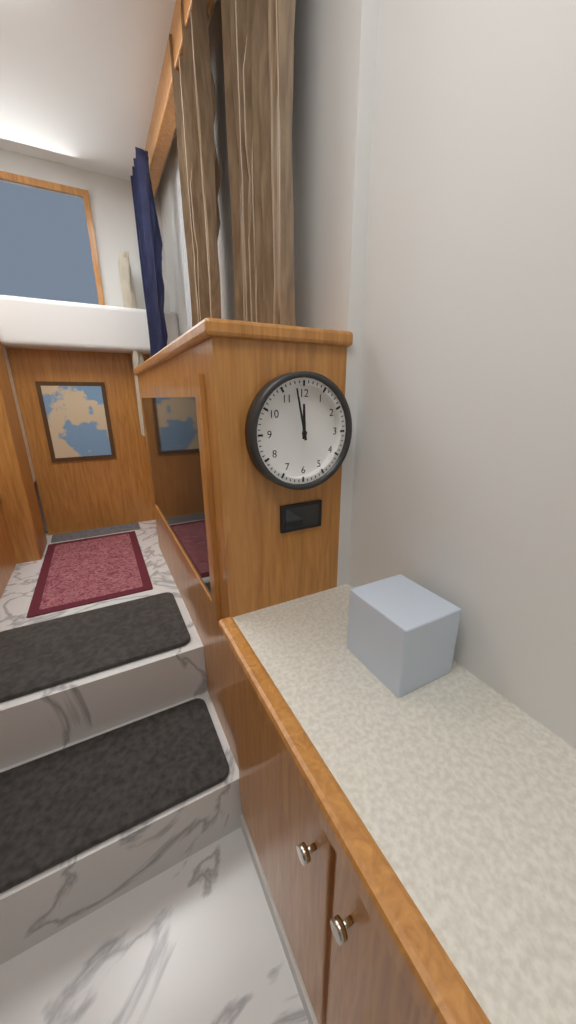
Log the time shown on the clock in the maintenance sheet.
11:58
